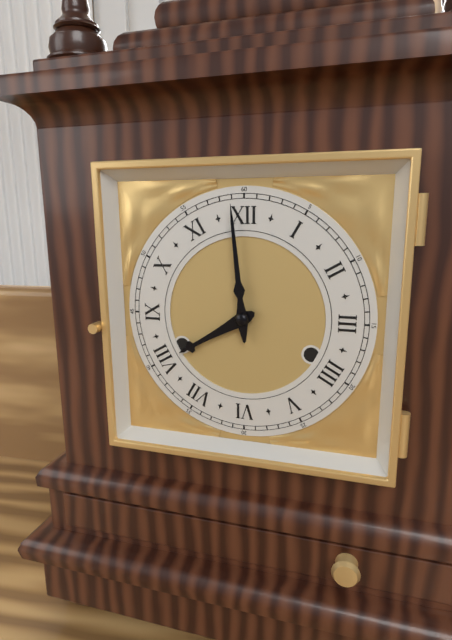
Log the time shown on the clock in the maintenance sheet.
7:59
